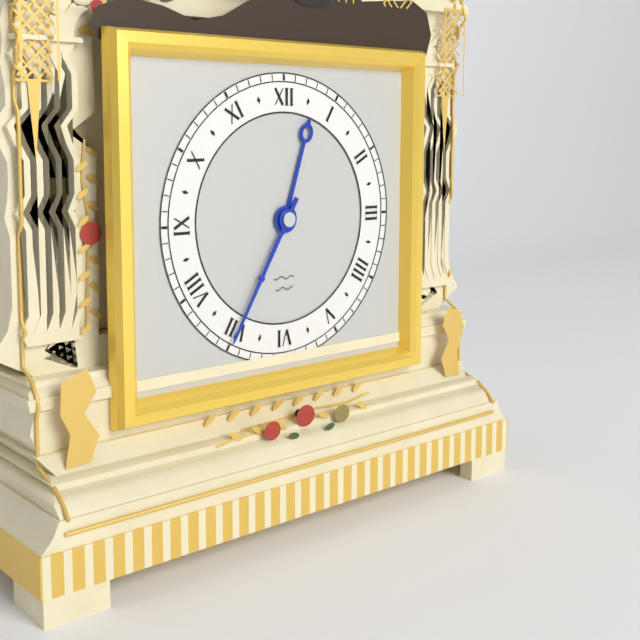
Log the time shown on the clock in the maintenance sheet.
12:35
